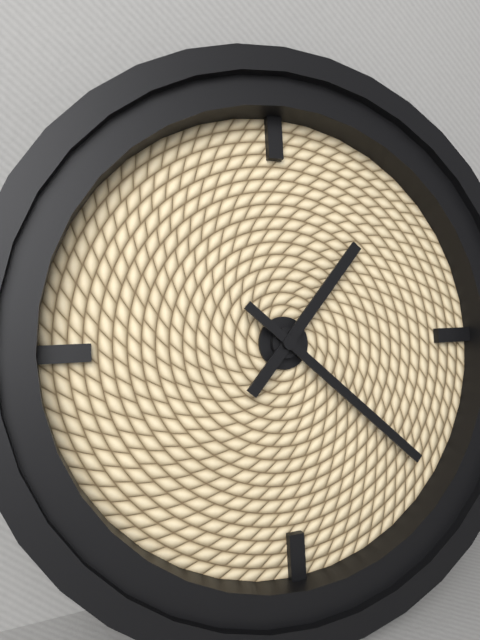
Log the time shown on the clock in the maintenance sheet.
1:22
